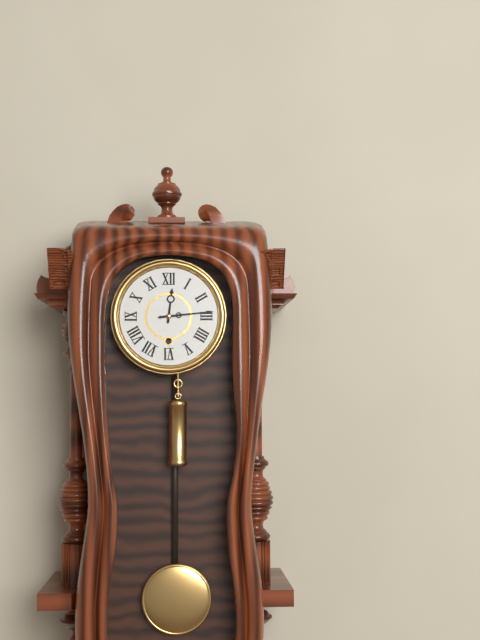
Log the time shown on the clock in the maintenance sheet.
12:14
